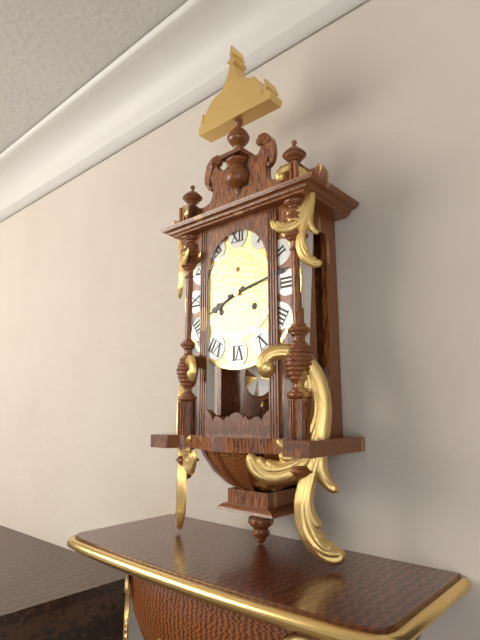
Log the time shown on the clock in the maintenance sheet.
8:13
